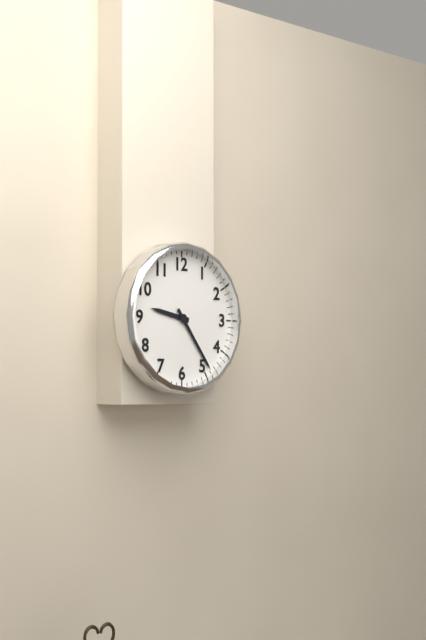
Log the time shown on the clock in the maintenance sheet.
9:24
